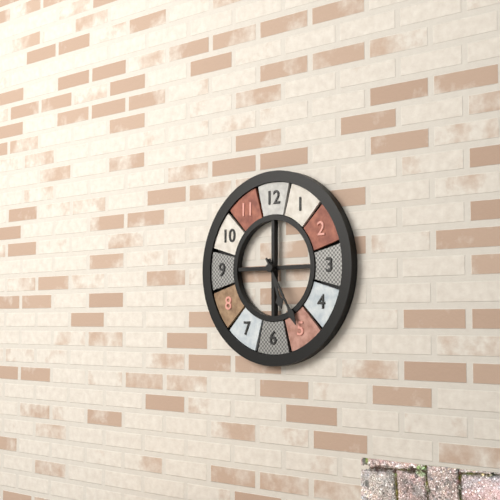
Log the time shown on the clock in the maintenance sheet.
5:25
